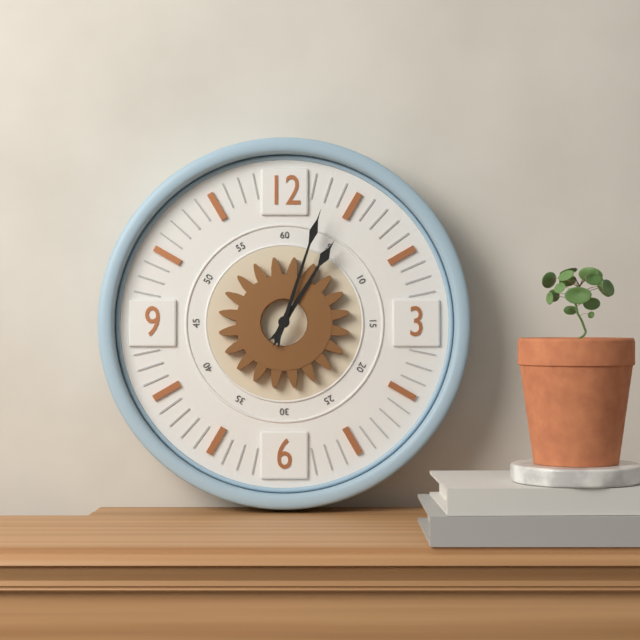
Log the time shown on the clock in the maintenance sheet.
1:03
